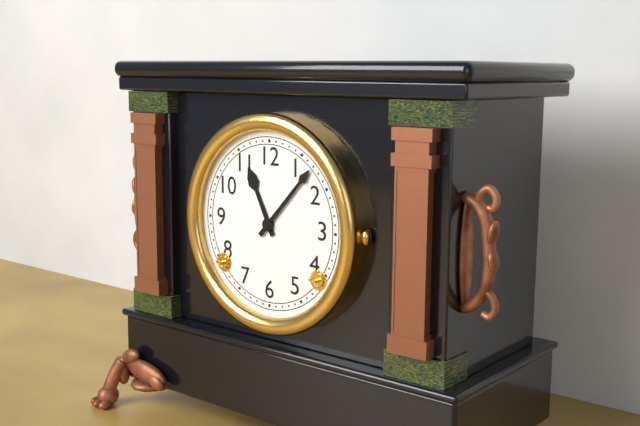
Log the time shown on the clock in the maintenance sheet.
11:07
